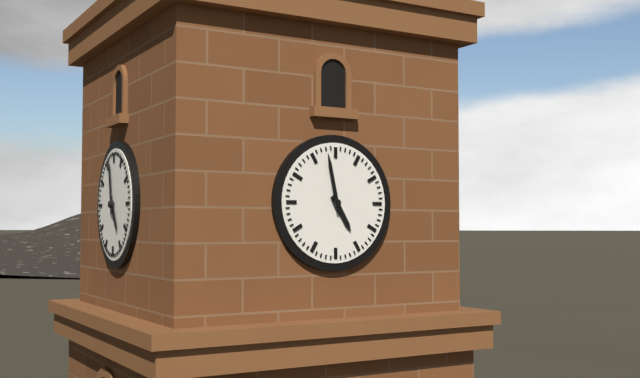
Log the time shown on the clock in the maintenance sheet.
4:58
